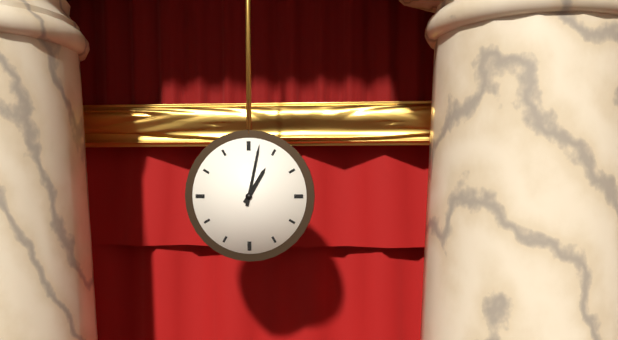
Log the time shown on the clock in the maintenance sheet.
1:02
